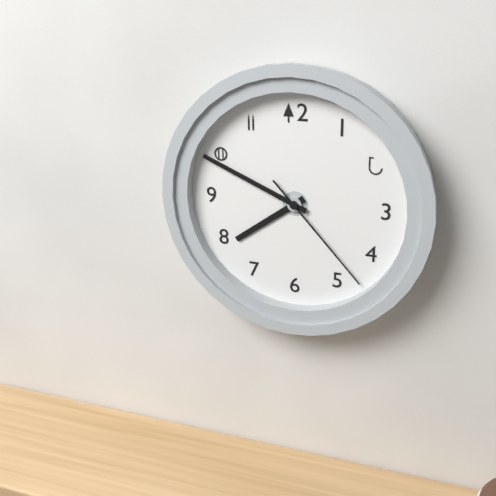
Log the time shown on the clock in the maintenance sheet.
7:49:23
